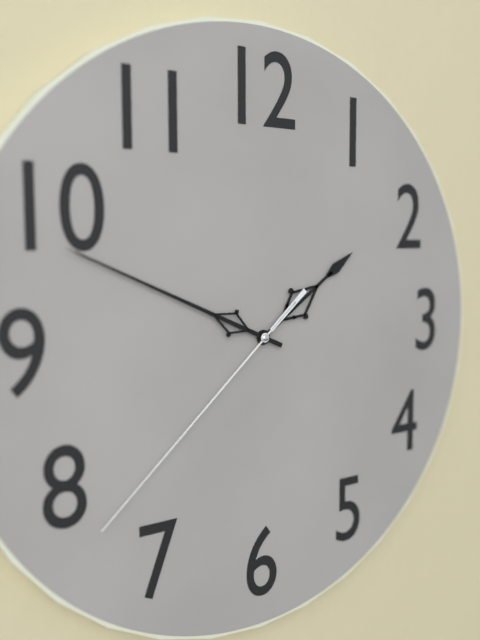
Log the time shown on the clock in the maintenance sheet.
1:49:38
